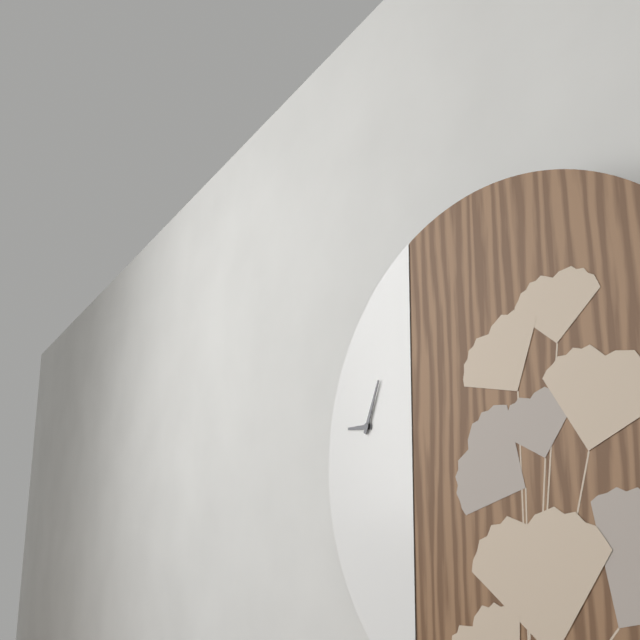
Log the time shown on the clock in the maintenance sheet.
9:04
